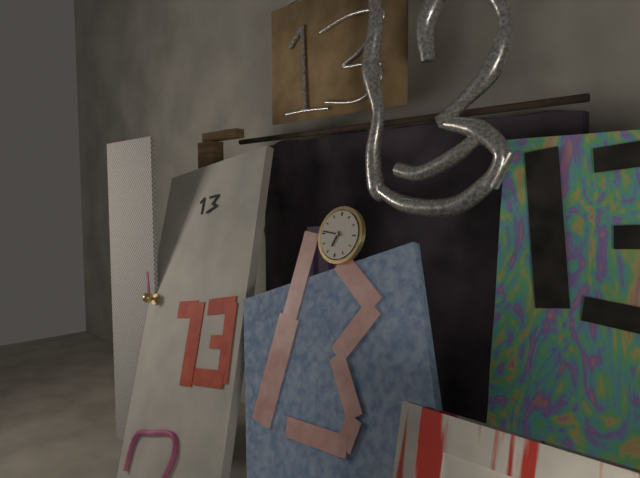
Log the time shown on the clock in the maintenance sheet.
6:46
